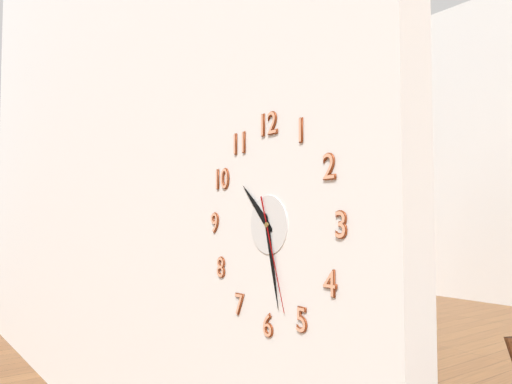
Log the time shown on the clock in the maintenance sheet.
10:28:27
